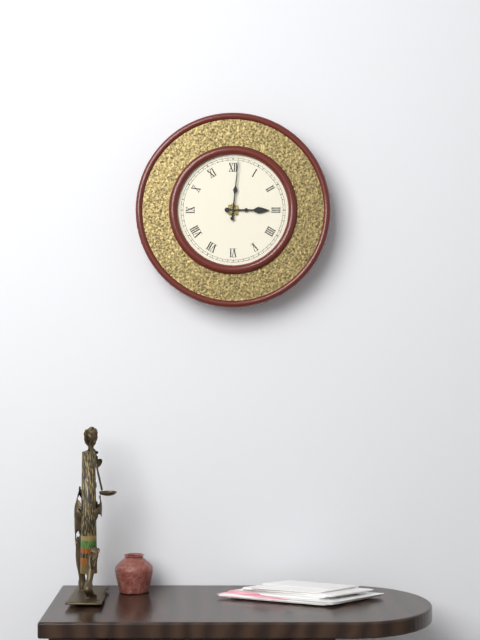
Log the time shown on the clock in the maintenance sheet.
3:01
